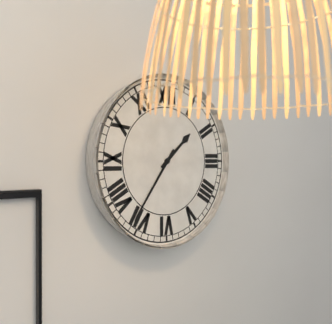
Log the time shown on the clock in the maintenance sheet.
1:36
